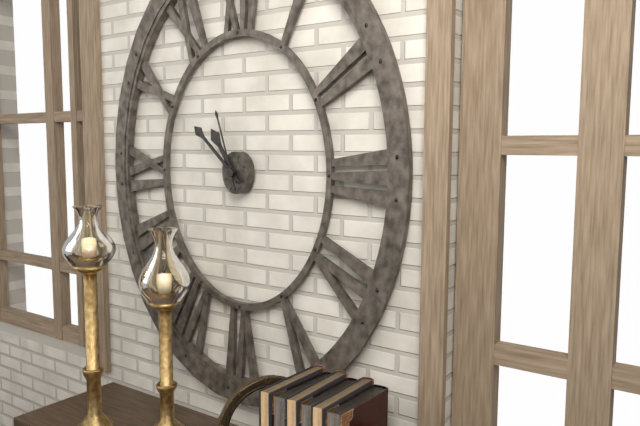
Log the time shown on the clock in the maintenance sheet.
10:52:57
